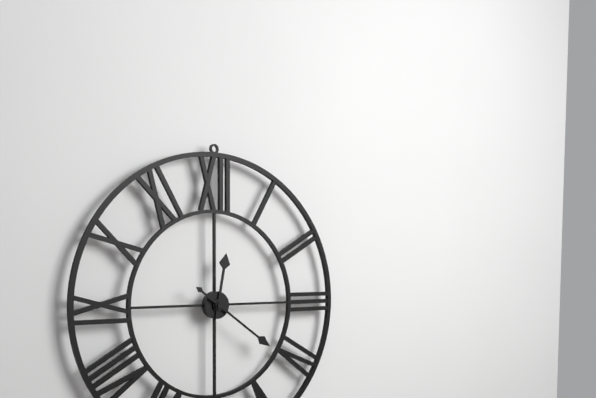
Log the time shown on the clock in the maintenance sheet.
12:21
